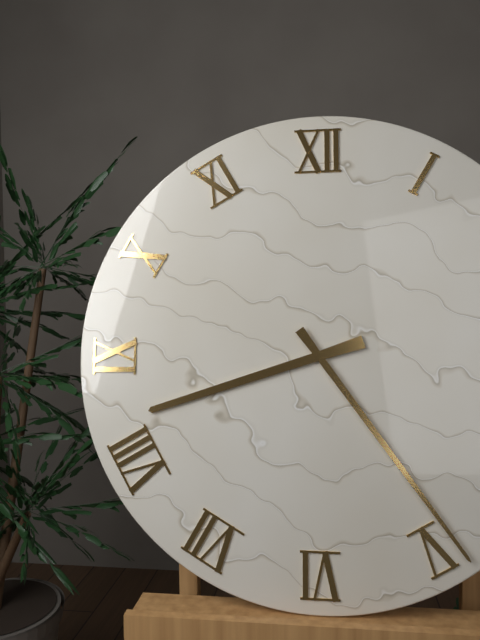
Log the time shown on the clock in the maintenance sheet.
8:24
